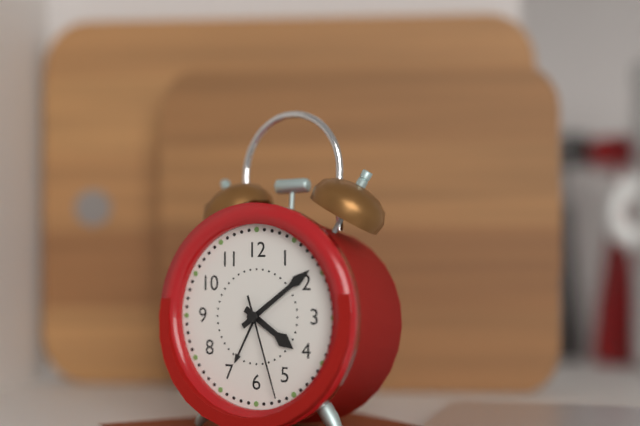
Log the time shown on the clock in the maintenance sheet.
4:09:27
